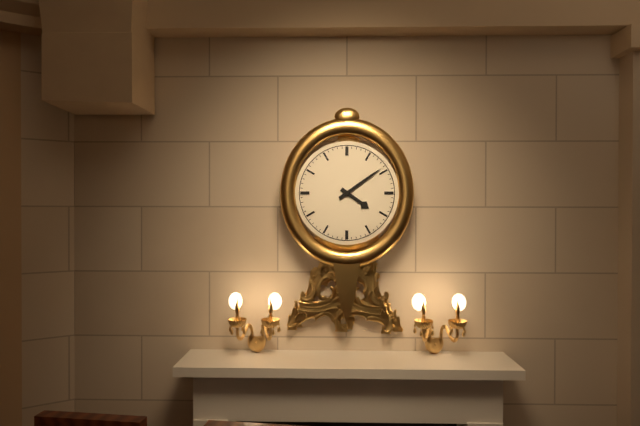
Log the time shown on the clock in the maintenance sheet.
4:09
